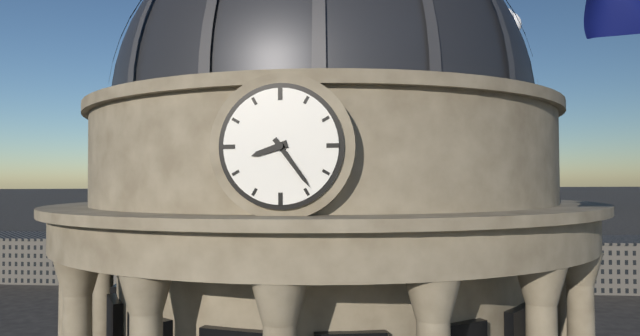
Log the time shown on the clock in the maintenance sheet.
8:24
